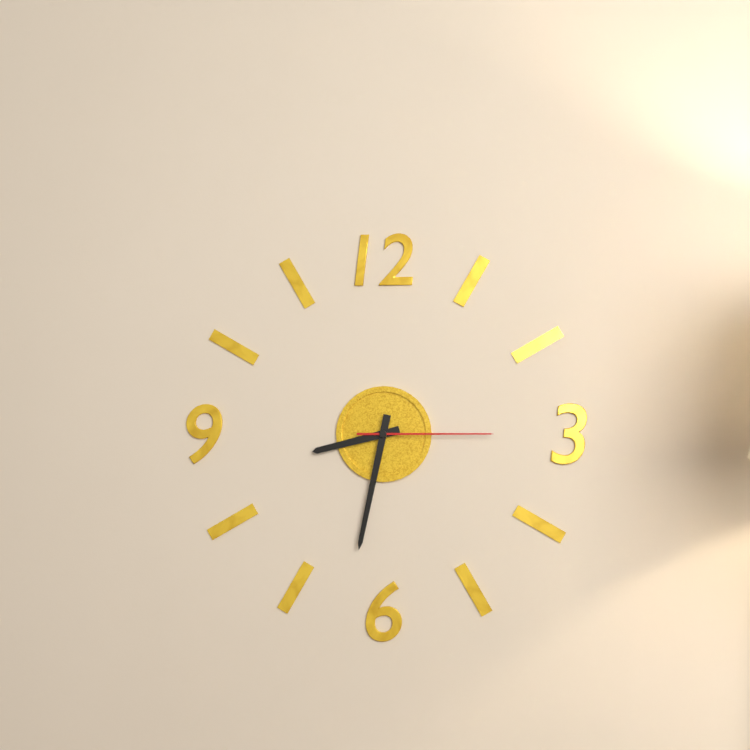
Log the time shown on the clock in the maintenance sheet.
8:32:15
